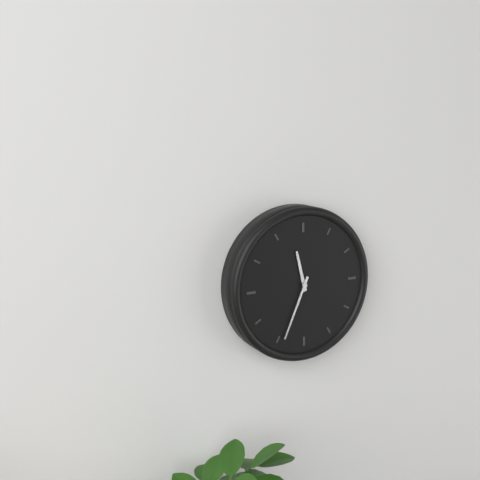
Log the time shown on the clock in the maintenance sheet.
11:34
